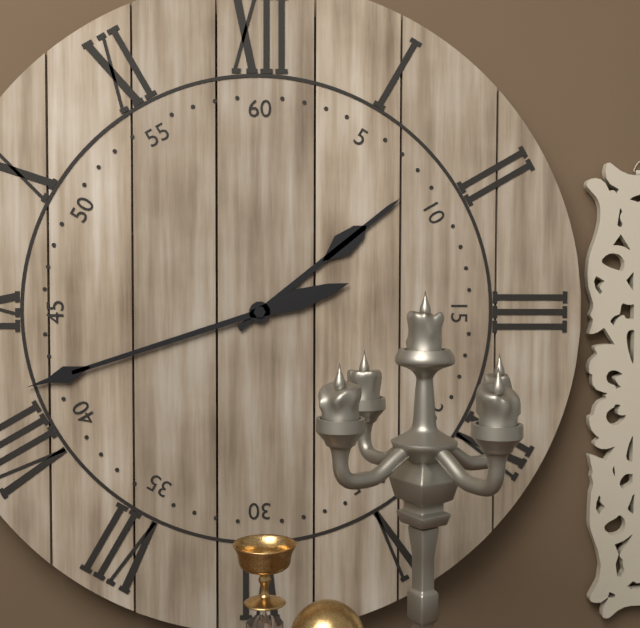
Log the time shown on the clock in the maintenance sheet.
1:42
